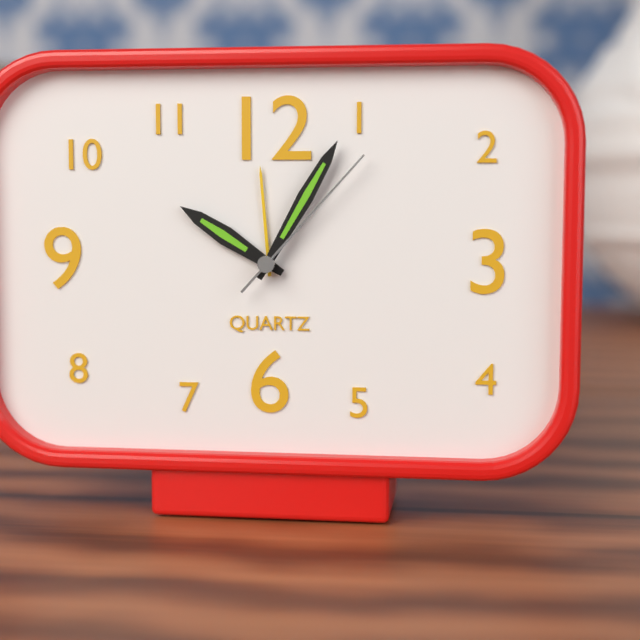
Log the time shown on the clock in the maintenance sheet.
10:05:07
